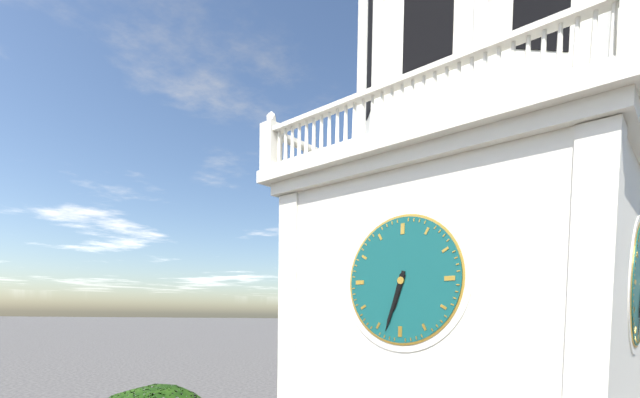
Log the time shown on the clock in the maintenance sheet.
6:33
